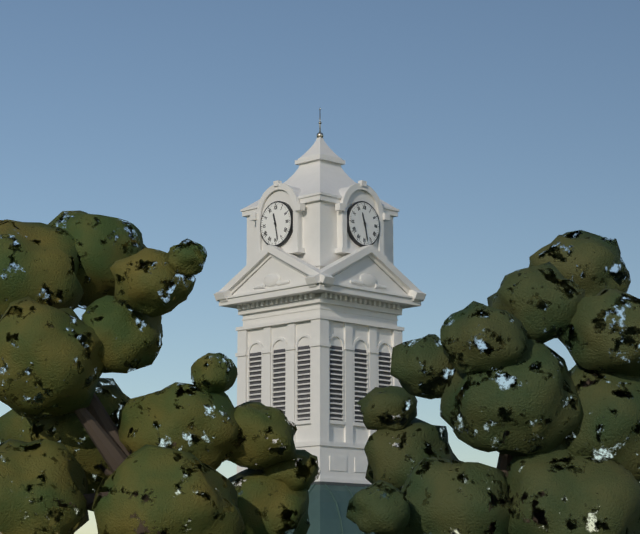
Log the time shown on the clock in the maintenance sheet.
11:28
